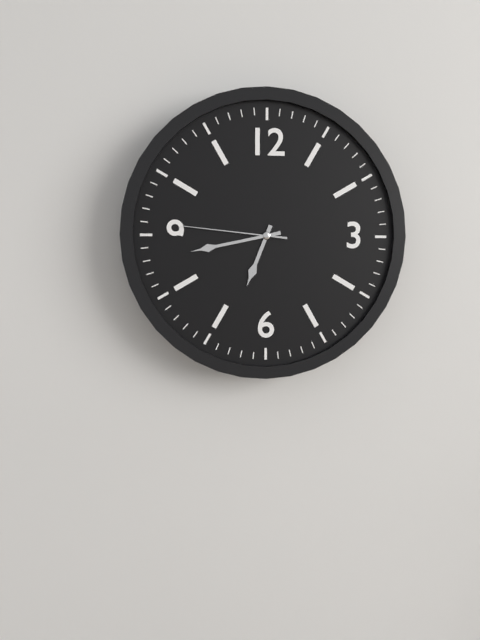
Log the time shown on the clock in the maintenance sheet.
6:43:46
